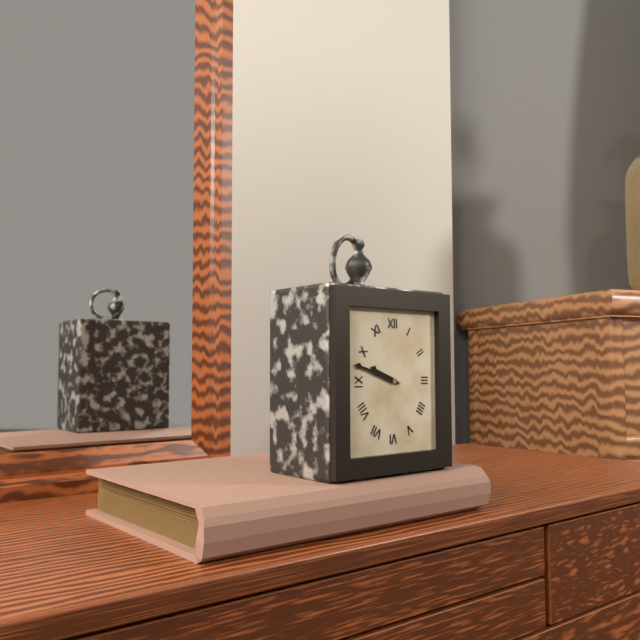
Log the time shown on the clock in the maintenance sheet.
9:48
